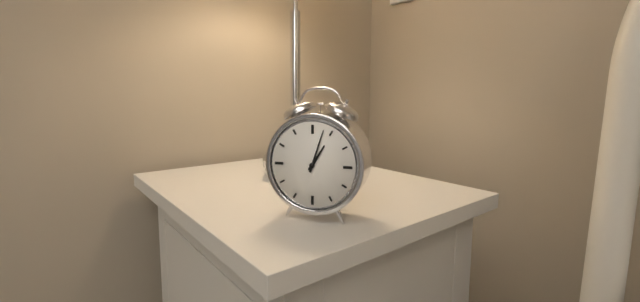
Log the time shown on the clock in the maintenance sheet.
1:03
